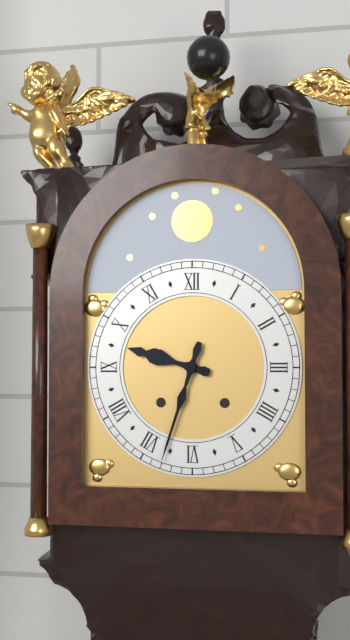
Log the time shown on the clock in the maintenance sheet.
9:33
